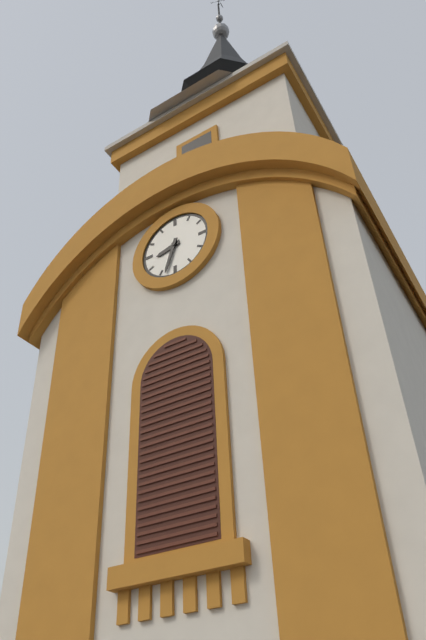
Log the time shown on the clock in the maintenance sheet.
8:33
